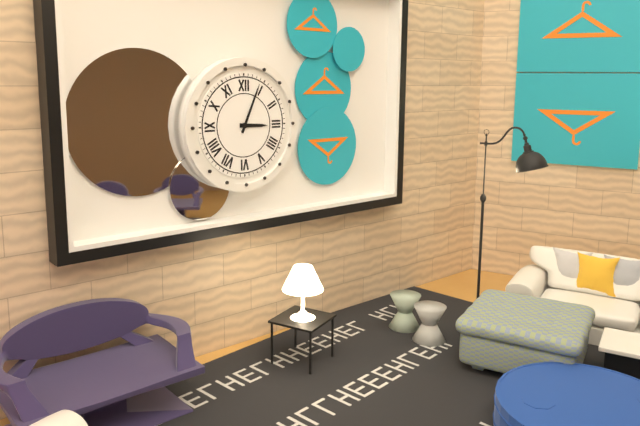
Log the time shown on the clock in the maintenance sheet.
3:04
